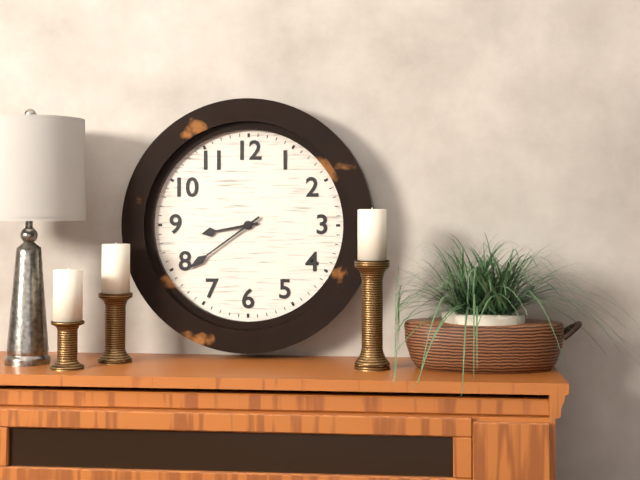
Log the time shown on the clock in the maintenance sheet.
8:39
